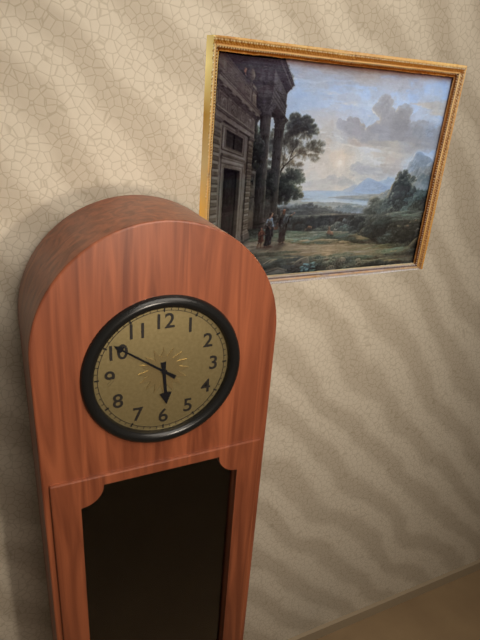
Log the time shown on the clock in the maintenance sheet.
5:51
